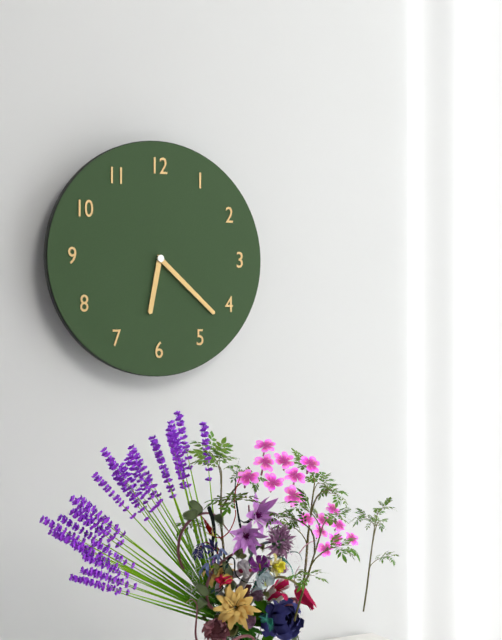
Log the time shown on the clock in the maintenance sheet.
6:22
